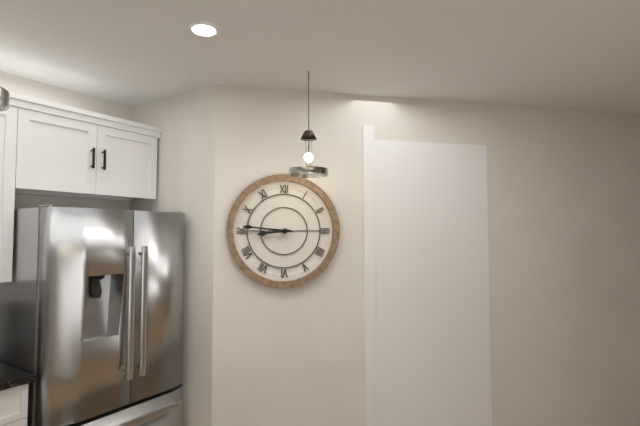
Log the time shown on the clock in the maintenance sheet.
8:46
